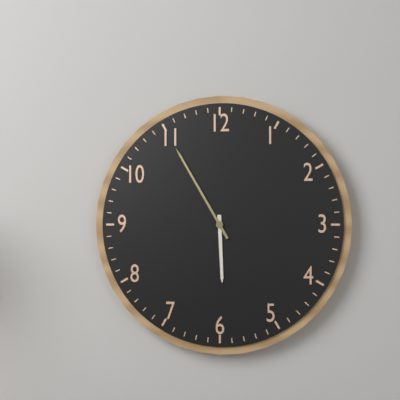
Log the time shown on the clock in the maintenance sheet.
5:55
